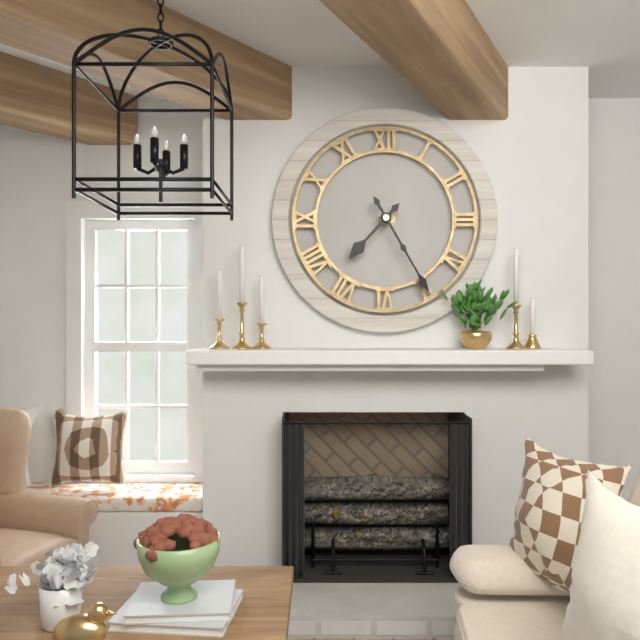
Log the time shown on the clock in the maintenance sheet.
7:25
